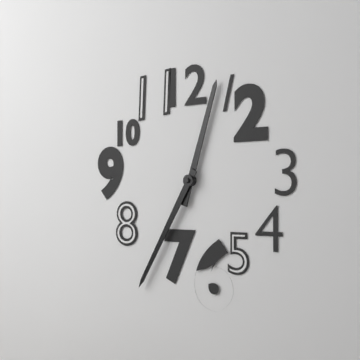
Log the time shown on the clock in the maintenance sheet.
12:35
